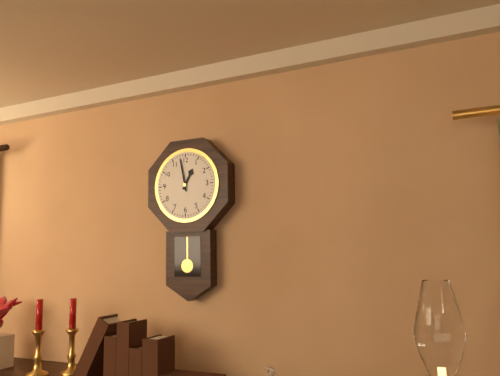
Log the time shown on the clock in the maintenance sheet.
12:58
